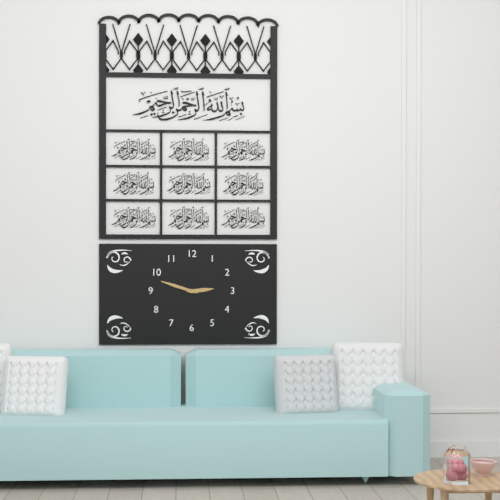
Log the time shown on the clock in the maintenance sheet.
2:48
